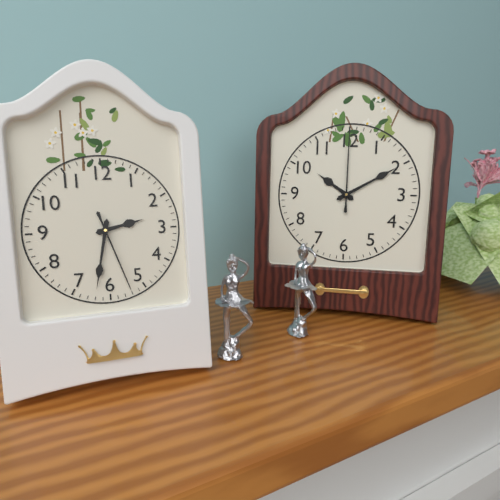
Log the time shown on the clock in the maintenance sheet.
2:32:27
